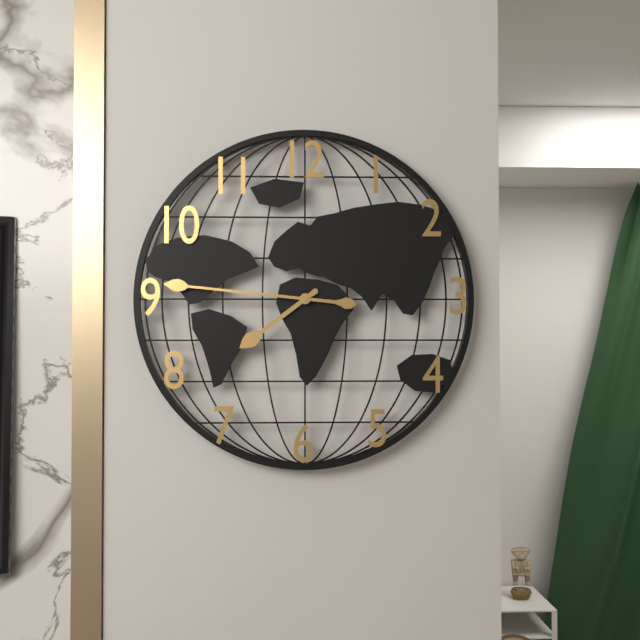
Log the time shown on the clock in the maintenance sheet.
7:46
